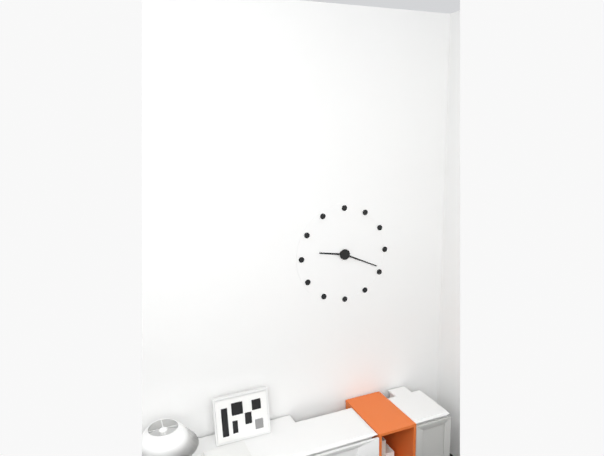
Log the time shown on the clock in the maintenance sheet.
9:19
